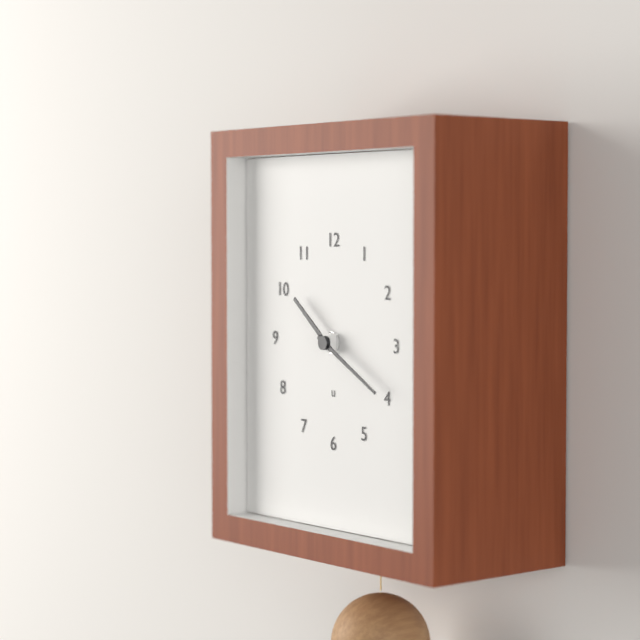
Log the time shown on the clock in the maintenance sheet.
10:20
